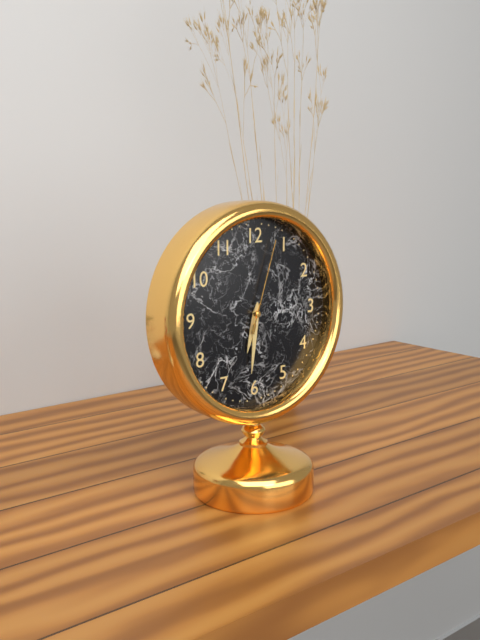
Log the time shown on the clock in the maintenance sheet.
6:31:03
